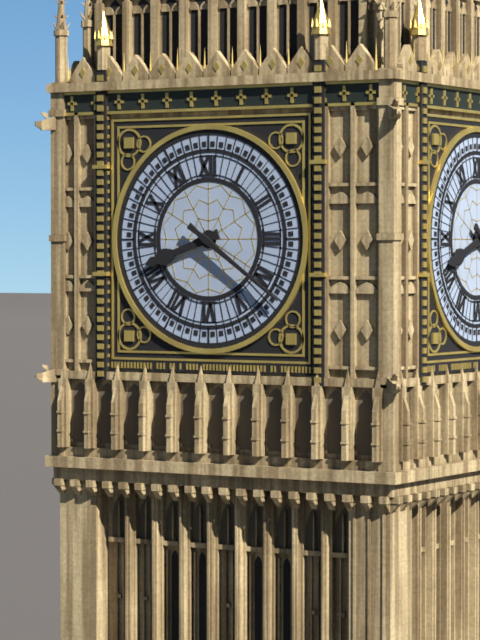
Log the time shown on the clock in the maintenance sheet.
8:21
